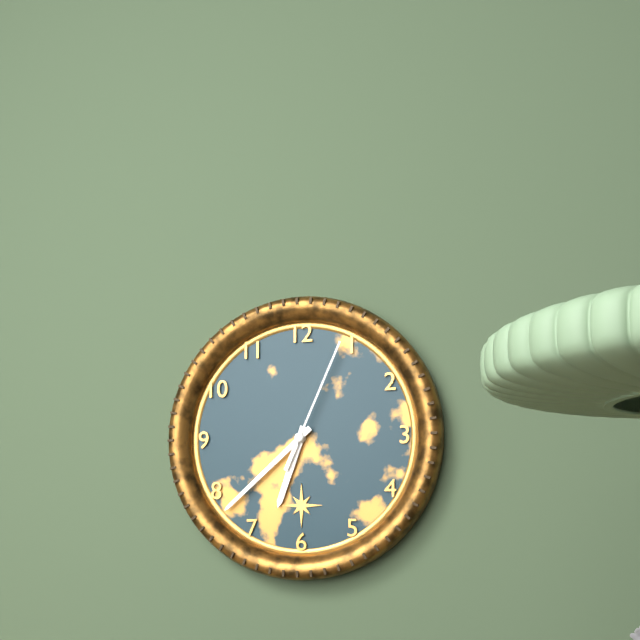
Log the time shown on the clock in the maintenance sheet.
6:38:04
